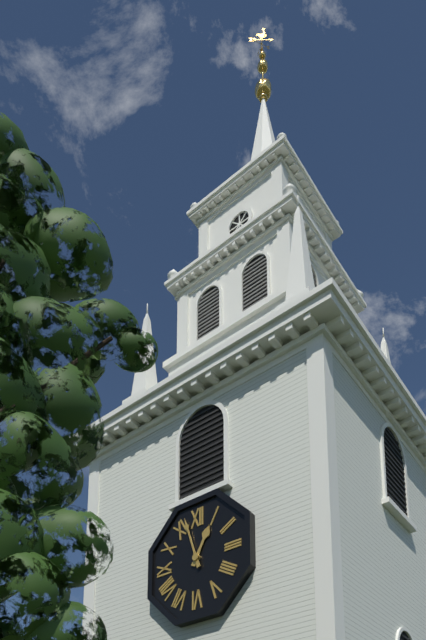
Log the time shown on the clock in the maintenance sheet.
12:57
